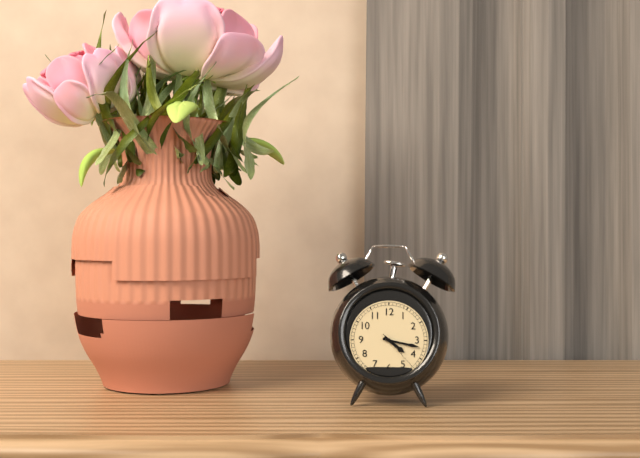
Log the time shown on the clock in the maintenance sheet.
4:17
